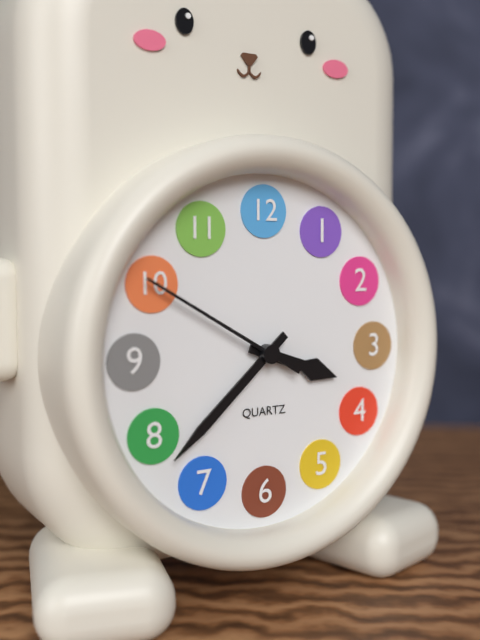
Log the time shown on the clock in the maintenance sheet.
3:38:50
